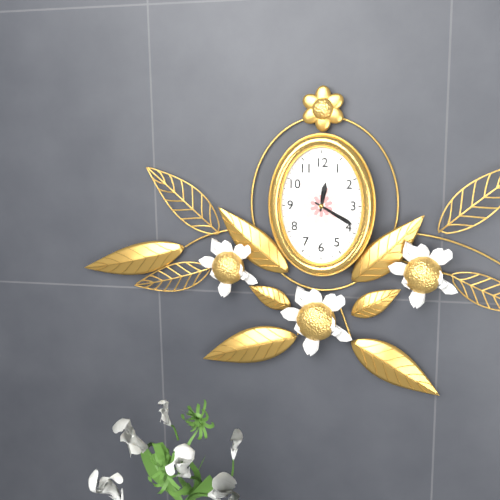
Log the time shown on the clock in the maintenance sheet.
12:20
